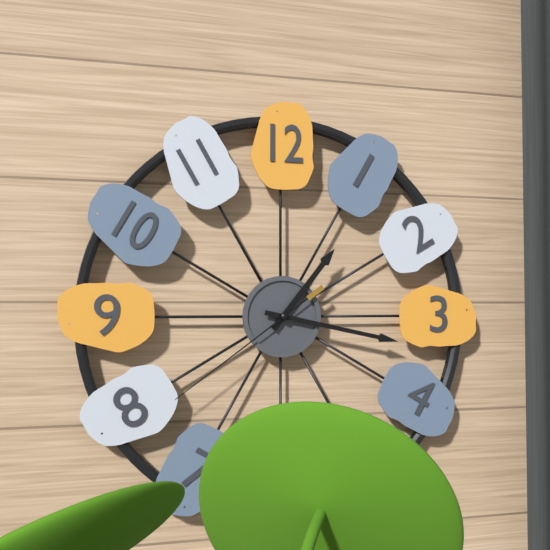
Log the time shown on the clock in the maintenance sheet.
1:17:39
